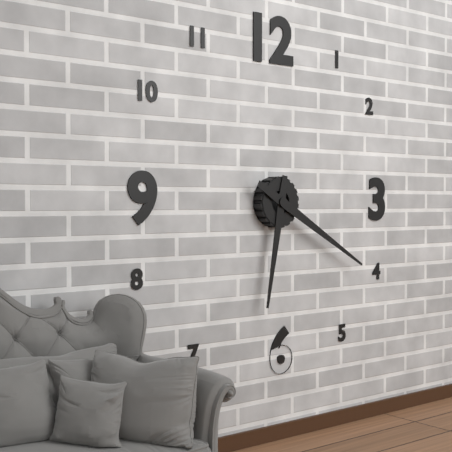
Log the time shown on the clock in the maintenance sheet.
6:20
